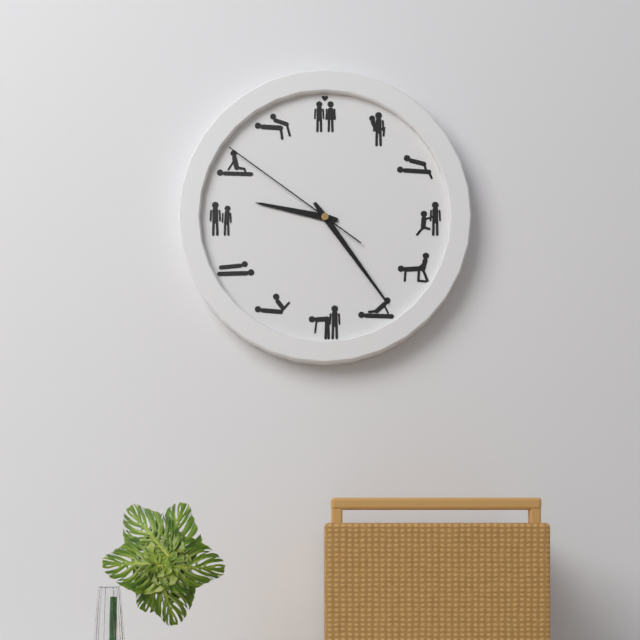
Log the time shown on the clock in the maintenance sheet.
9:24:51
